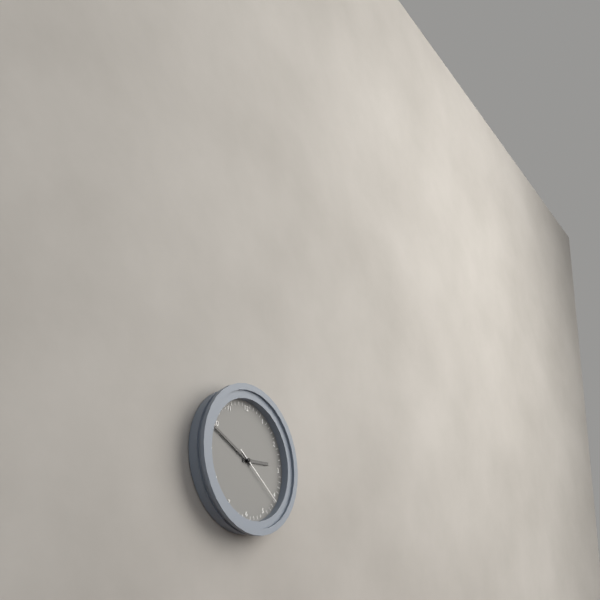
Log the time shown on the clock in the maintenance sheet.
2:49:21
